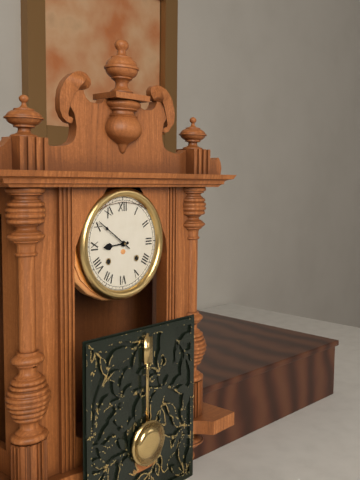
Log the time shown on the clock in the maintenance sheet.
8:51
